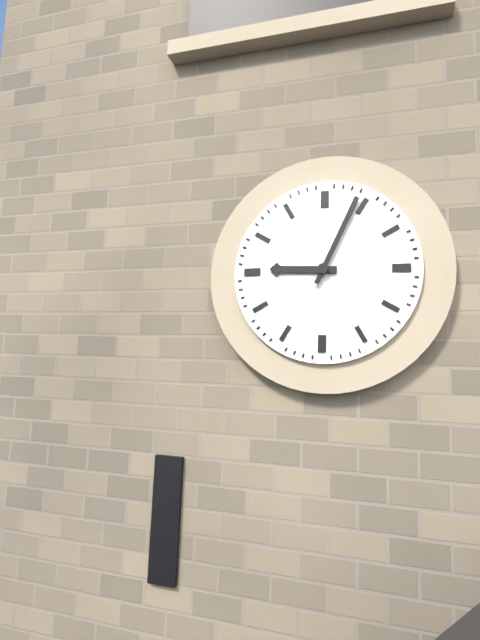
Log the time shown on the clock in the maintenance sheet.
9:04
